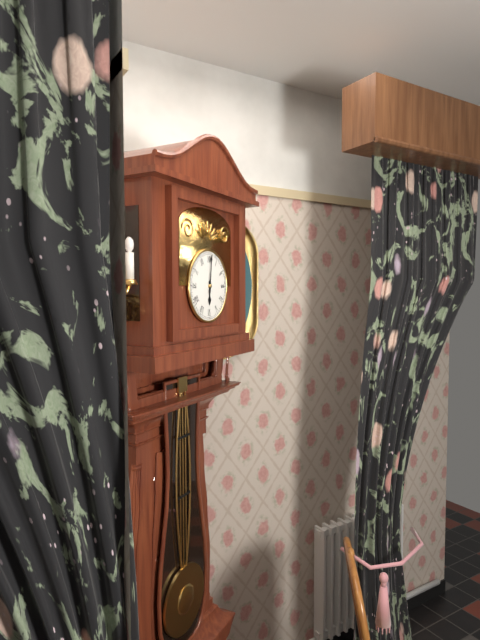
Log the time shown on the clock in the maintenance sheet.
6:01
